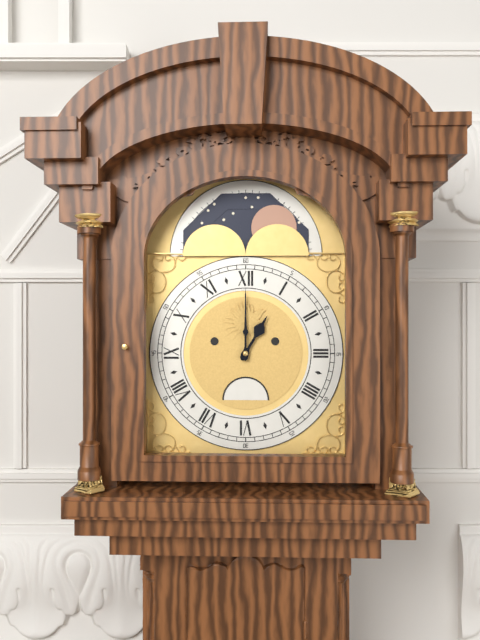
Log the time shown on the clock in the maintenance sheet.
1:00
